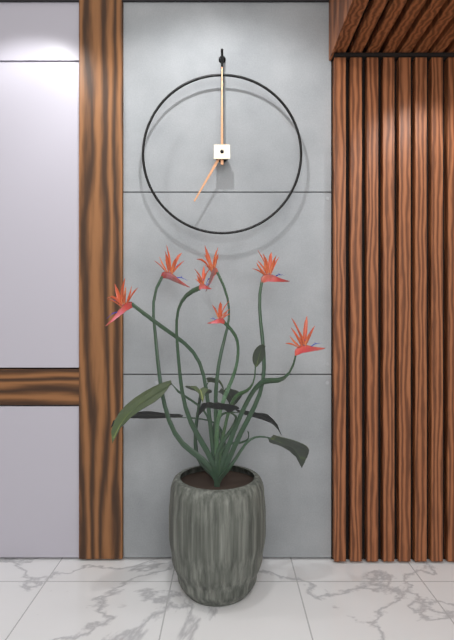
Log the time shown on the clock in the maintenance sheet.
7:00
